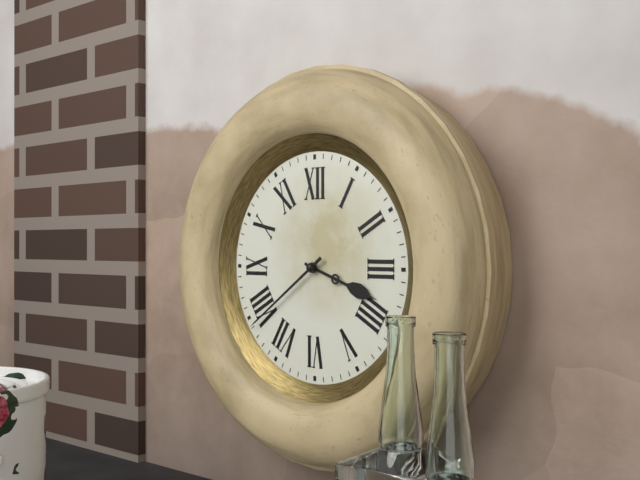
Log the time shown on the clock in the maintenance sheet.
3:39
